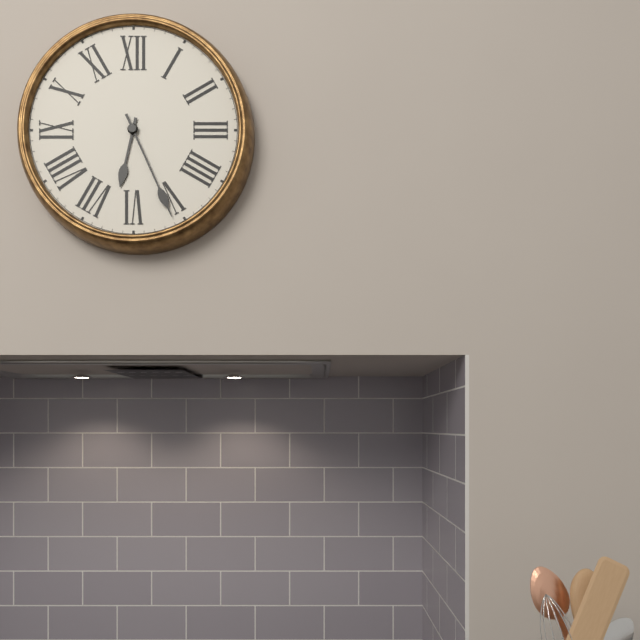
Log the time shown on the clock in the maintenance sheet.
6:26
